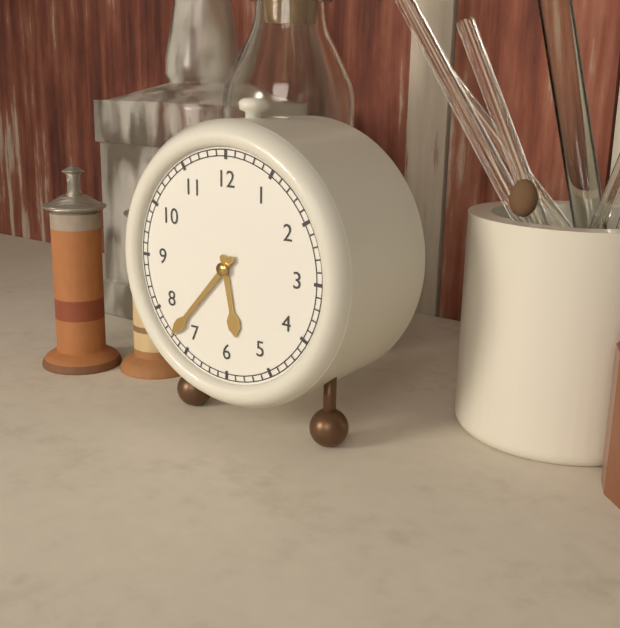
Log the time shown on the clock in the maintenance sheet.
5:37
